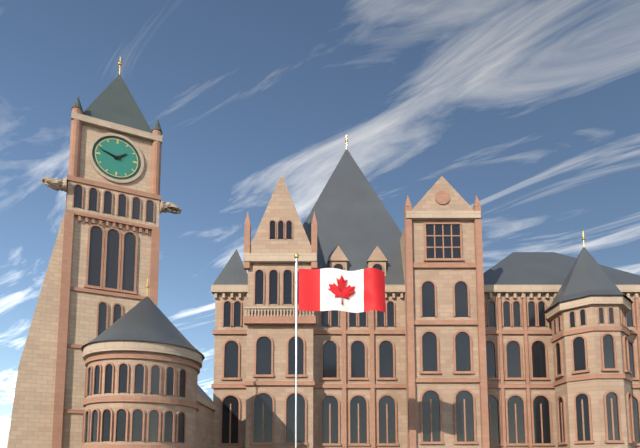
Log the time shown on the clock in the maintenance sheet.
1:48
